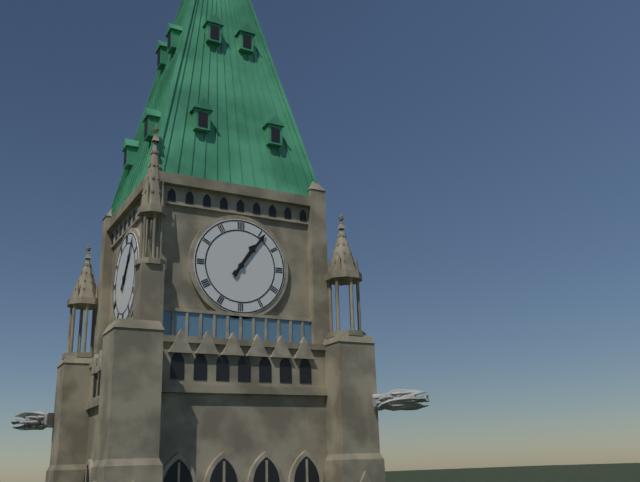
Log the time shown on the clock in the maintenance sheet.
1:06
